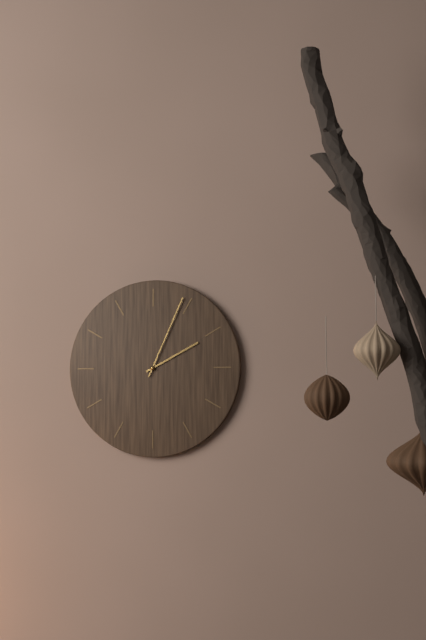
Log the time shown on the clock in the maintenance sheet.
2:04
